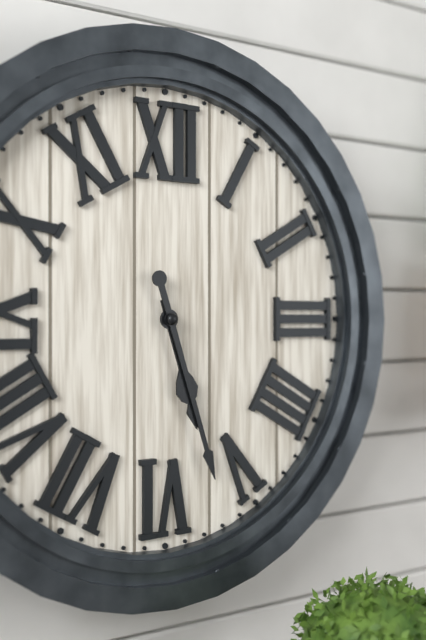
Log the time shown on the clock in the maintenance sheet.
5:27
